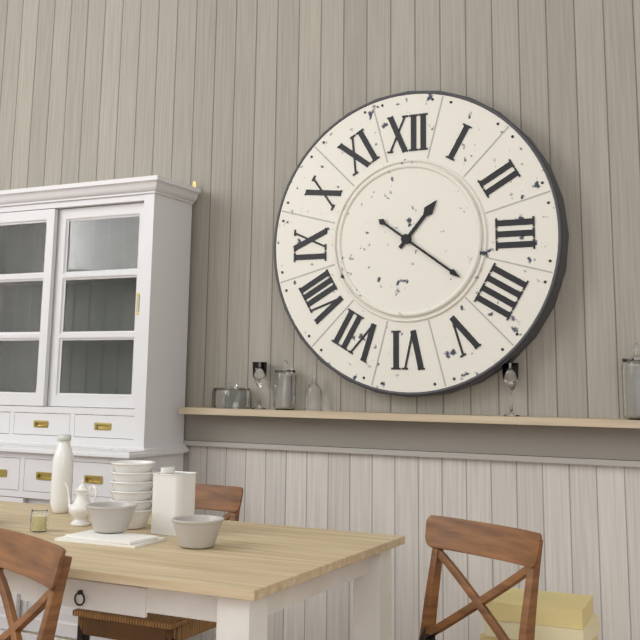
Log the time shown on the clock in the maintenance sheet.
1:21
